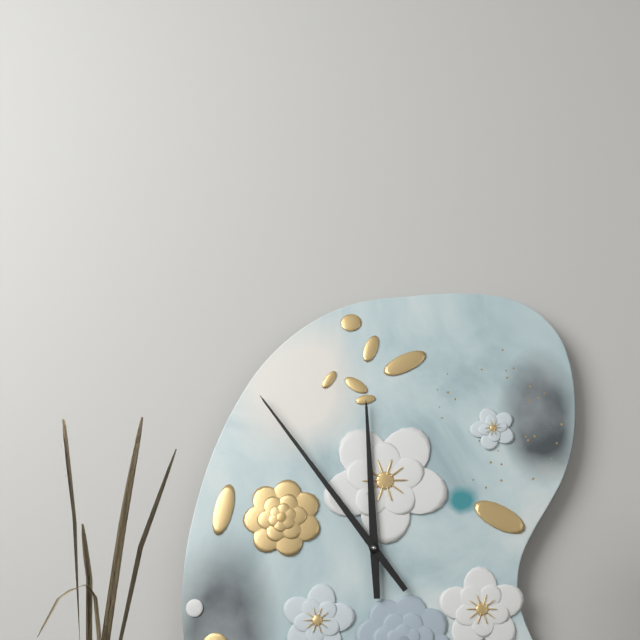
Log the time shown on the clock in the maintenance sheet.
11:54
